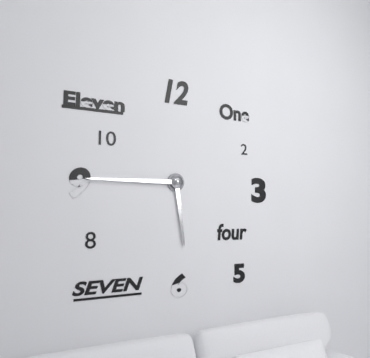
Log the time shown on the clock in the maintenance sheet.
5:45
